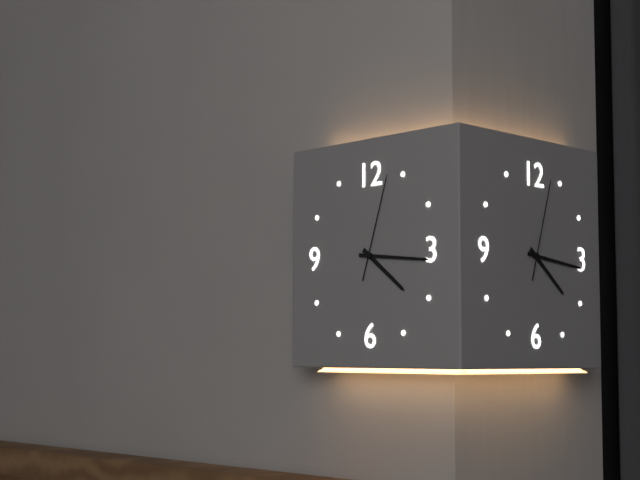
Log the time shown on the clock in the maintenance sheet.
4:16:03
